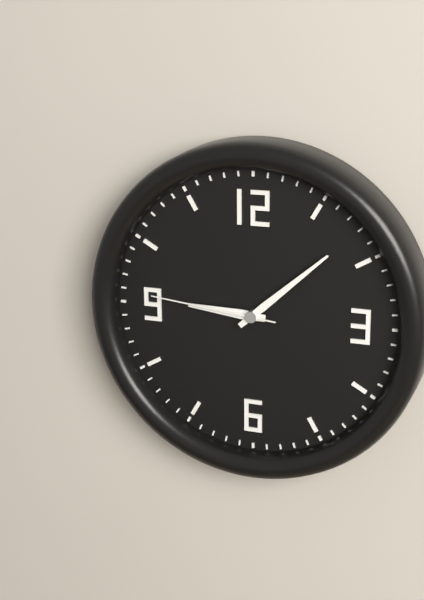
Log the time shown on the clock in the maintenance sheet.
9:08:46
